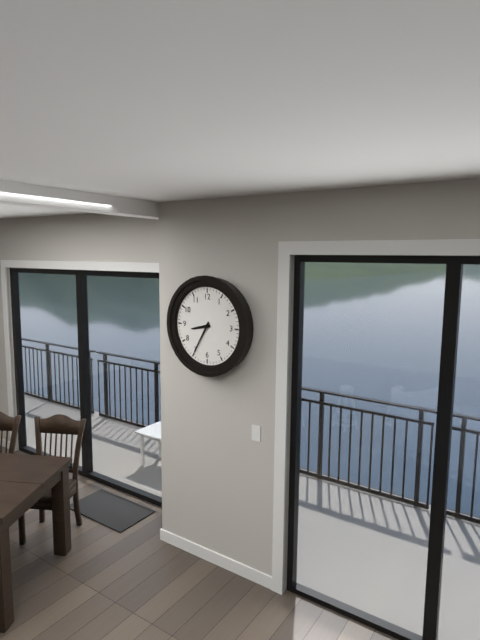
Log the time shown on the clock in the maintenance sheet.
8:35
